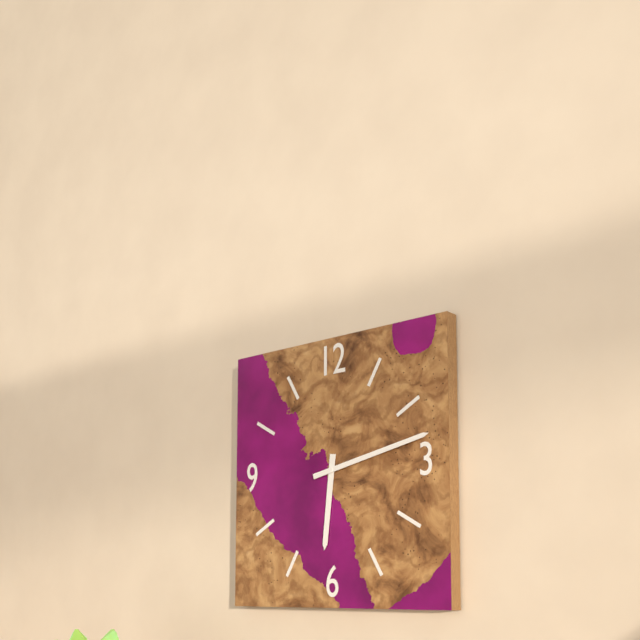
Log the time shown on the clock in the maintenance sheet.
6:13
